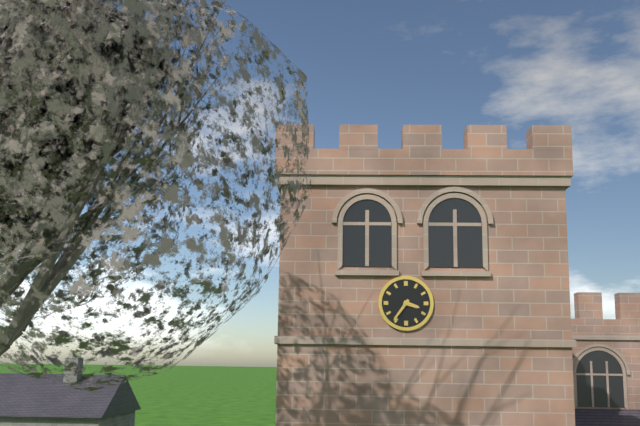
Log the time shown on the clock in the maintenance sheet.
3:36
